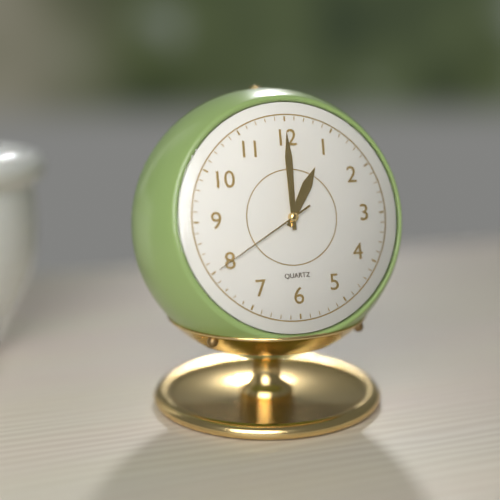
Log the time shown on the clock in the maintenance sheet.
1:00:40
